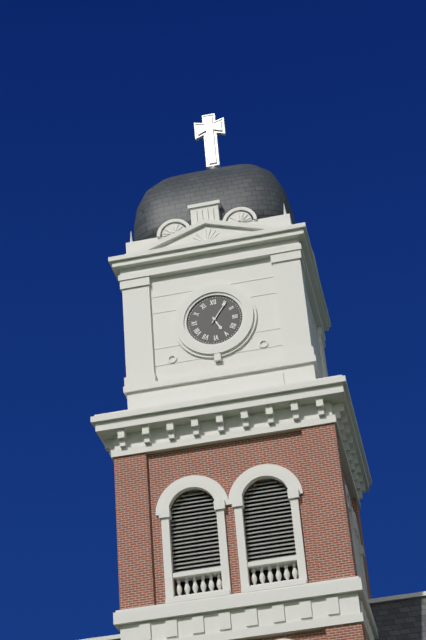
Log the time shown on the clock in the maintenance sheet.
5:06
